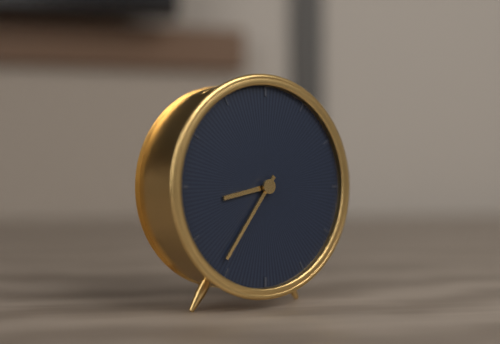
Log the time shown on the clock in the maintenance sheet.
8:36
